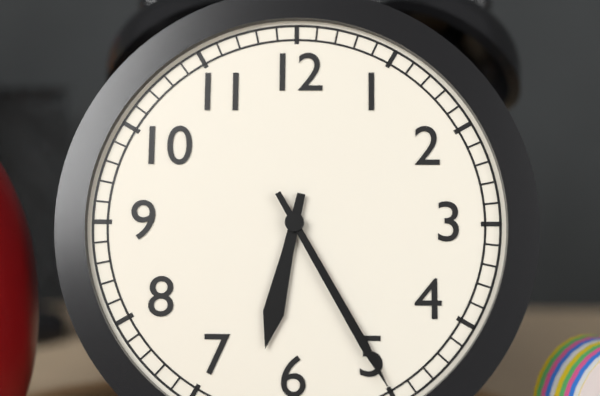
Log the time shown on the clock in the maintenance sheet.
6:25
